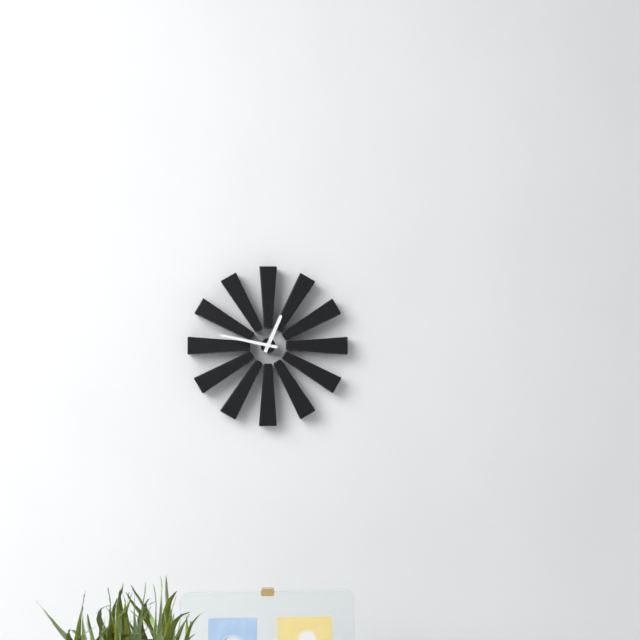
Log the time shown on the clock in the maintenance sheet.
12:47
